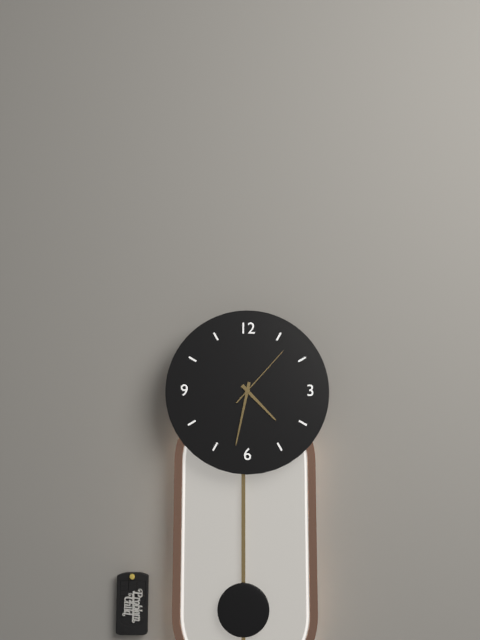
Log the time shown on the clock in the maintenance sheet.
4:32:07
